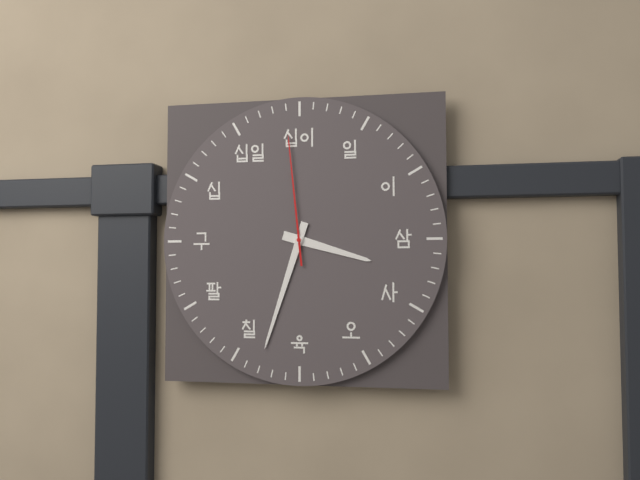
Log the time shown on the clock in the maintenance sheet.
3:33:59
